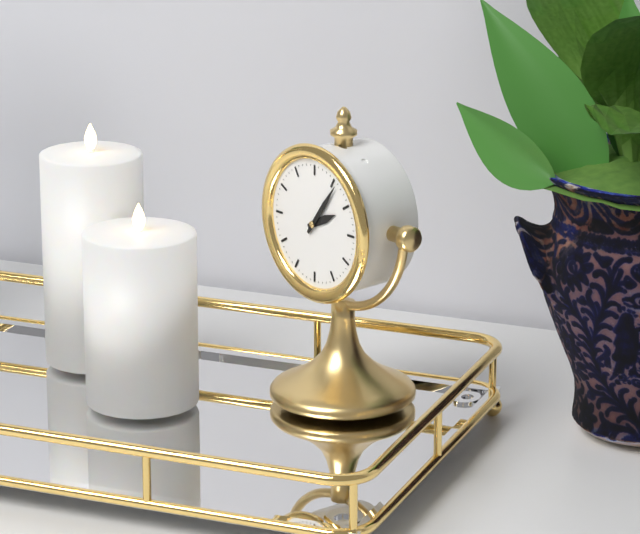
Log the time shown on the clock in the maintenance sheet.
2:06
